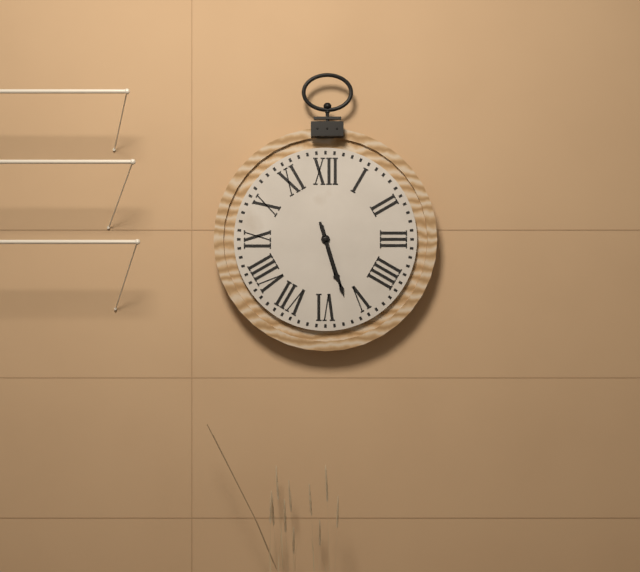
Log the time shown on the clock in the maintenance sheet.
5:27
